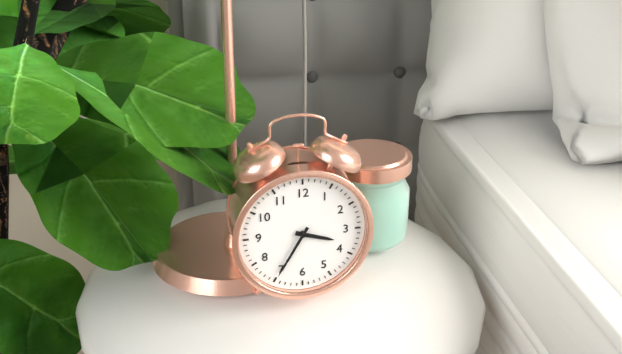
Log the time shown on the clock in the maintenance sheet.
3:35
